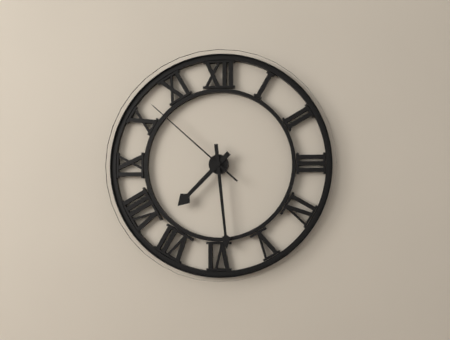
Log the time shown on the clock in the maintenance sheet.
7:29:52
